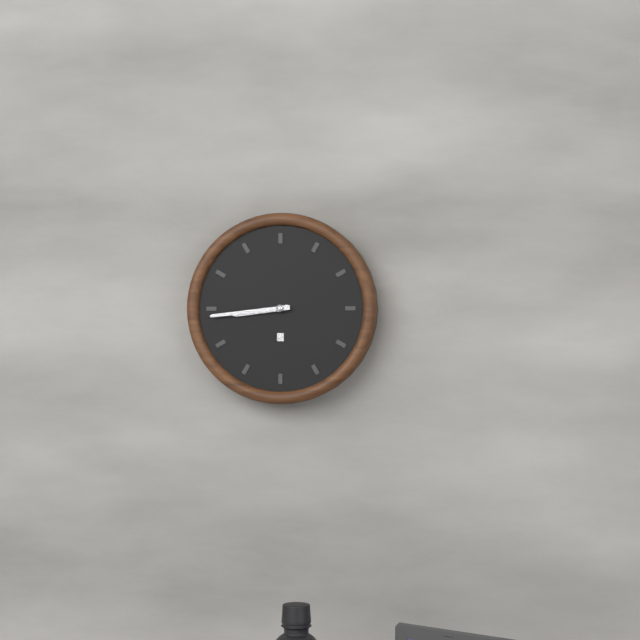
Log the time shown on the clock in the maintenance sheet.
8:44
